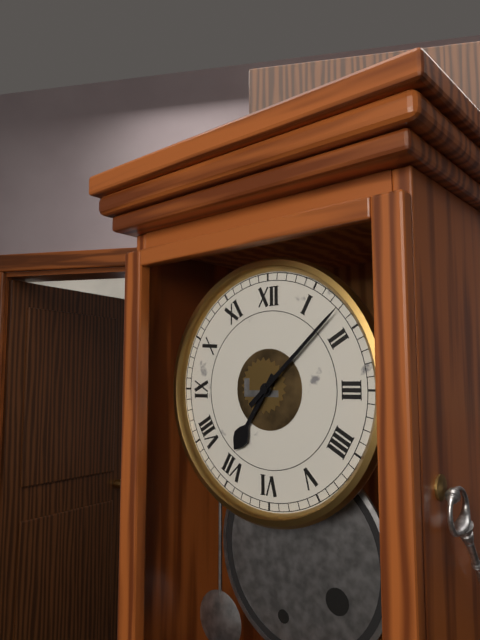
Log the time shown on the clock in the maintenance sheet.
7:08
